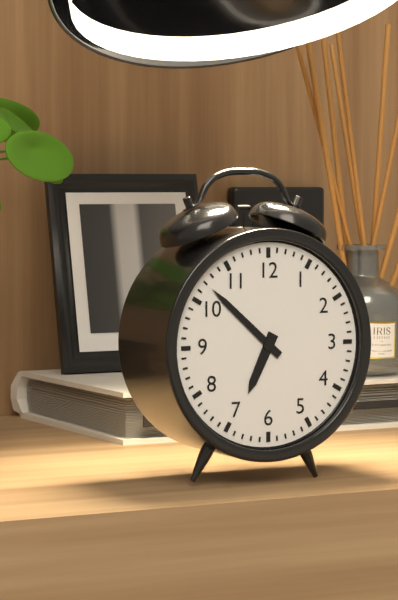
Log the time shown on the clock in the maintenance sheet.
6:52
